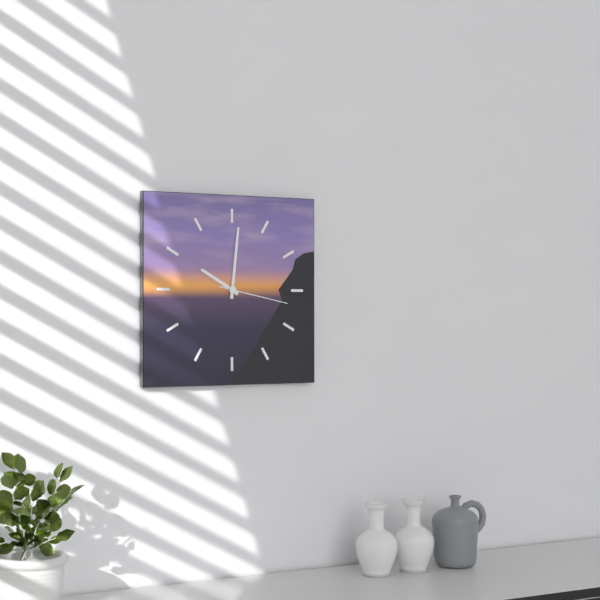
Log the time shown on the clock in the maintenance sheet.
10:01:17
